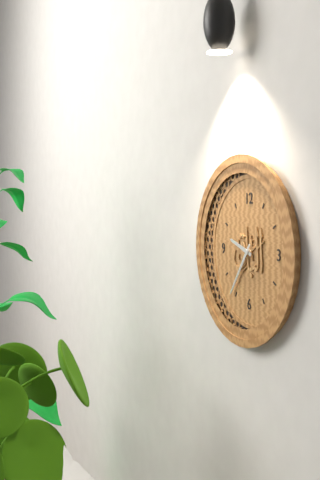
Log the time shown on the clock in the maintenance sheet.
9:36
